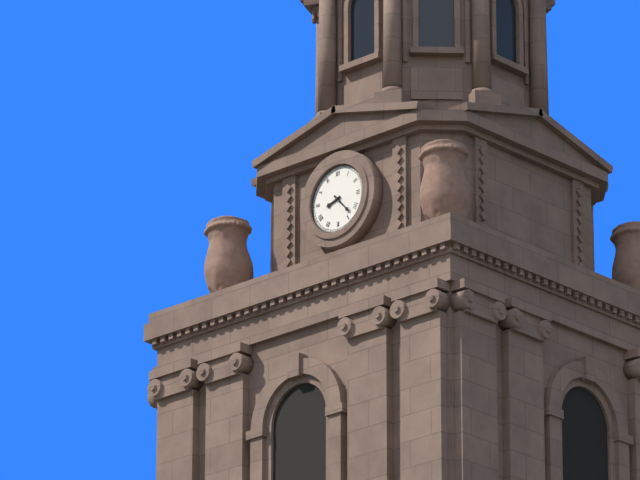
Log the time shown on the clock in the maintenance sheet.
8:23
